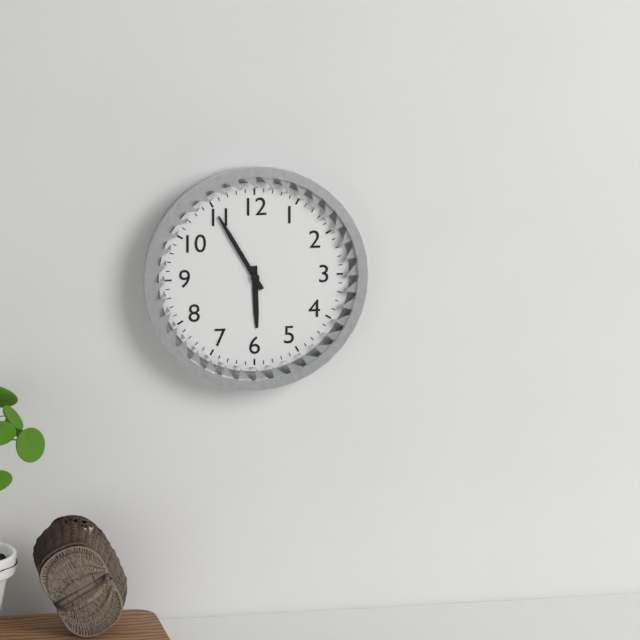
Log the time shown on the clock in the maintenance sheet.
5:55
